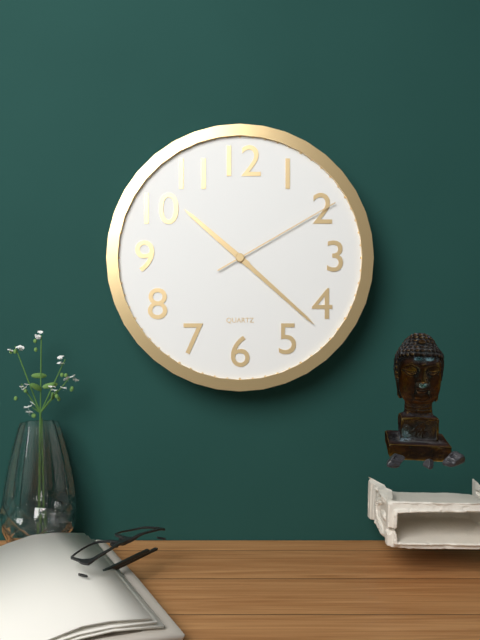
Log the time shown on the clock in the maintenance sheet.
10:22:10
